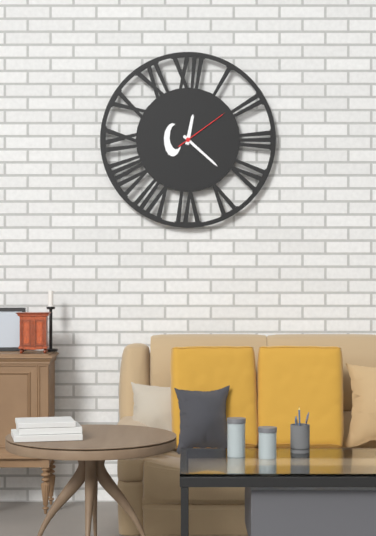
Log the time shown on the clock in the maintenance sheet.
12:22:09
